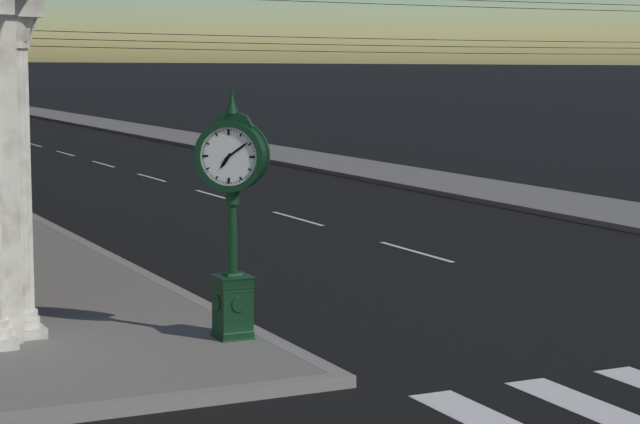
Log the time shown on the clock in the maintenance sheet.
7:09
